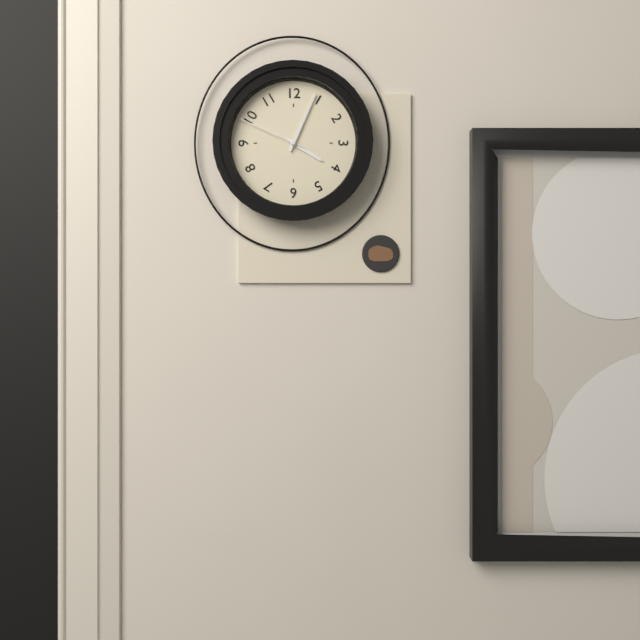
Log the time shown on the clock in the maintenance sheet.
4:04:49
